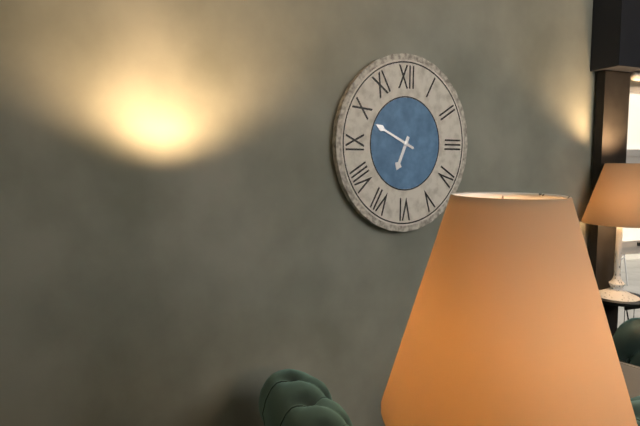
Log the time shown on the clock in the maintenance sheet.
6:49
